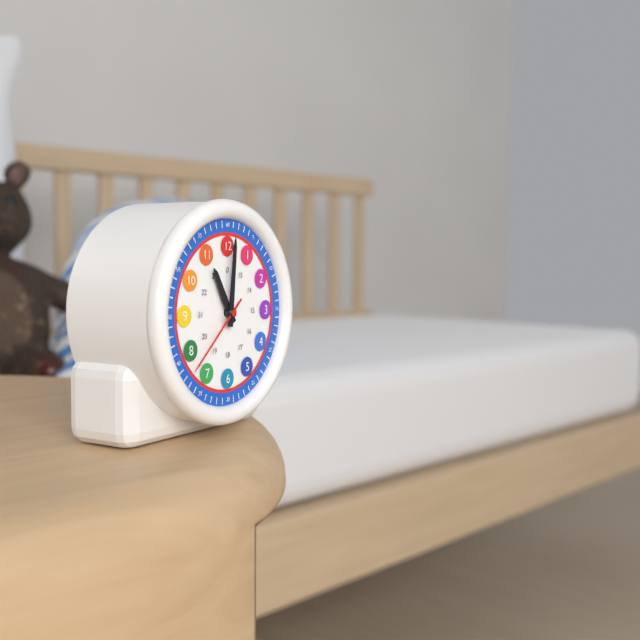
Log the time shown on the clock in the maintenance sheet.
11:01:38
